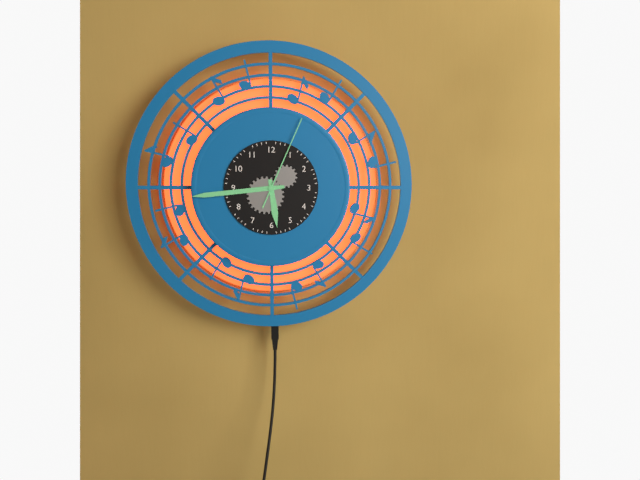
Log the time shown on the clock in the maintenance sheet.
5:44:04
